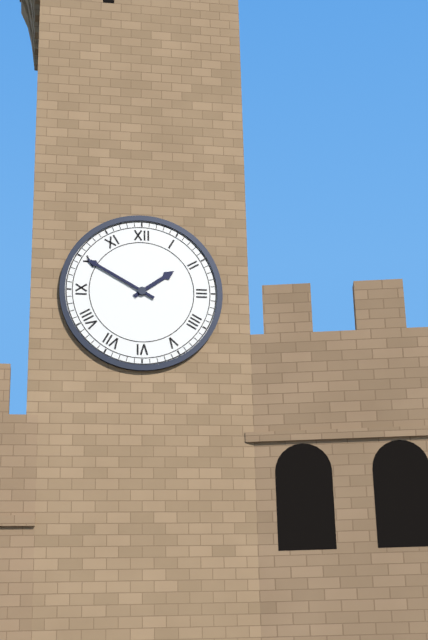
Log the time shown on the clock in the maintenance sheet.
1:50
